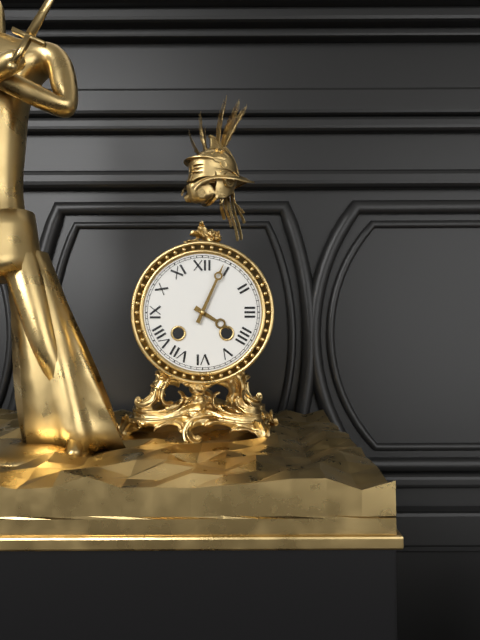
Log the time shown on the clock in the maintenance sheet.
4:04
